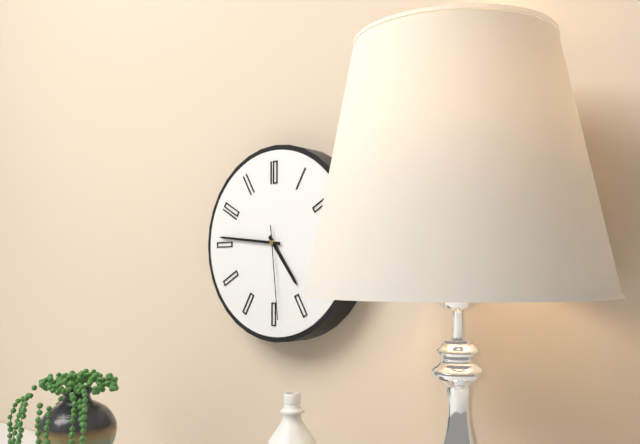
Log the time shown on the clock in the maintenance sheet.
4:46:29
